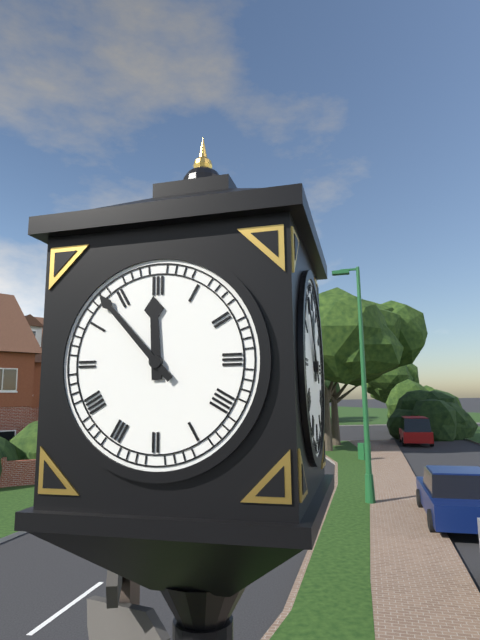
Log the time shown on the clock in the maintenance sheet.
11:53
